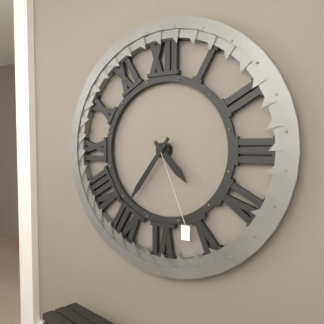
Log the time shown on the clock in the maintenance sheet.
4:36
